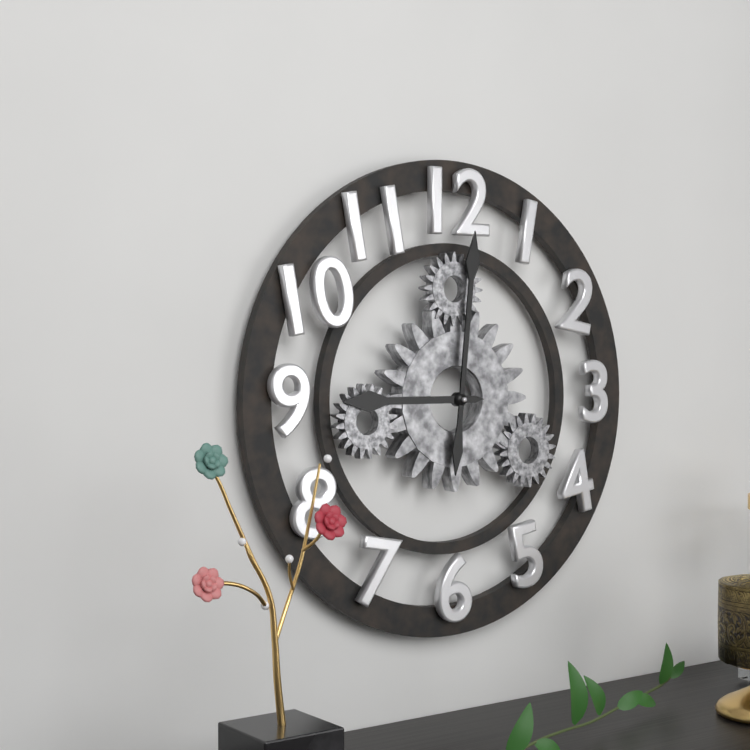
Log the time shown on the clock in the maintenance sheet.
9:01
